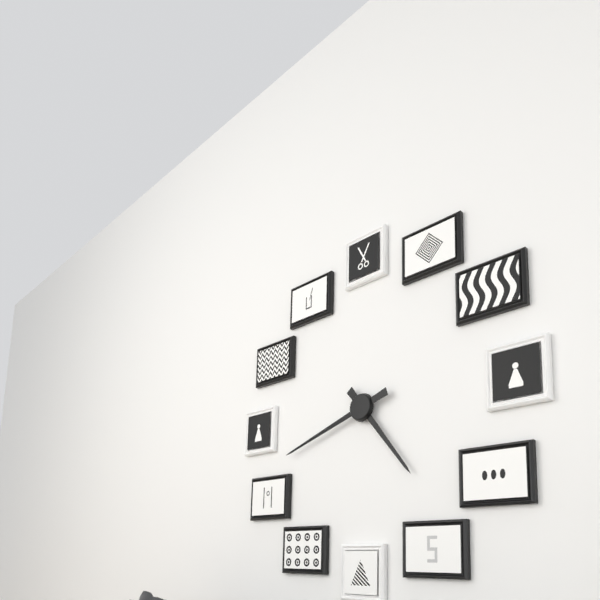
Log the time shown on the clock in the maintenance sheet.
4:42
